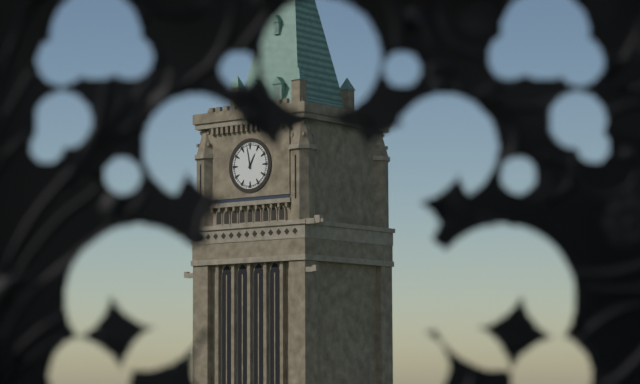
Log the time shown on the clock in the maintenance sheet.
12:58
